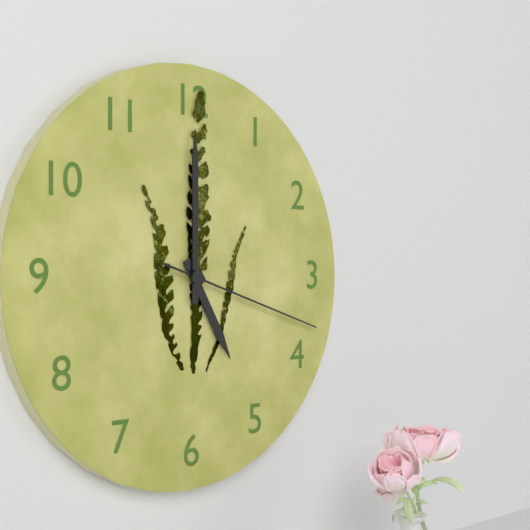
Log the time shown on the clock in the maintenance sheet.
5:00:18
